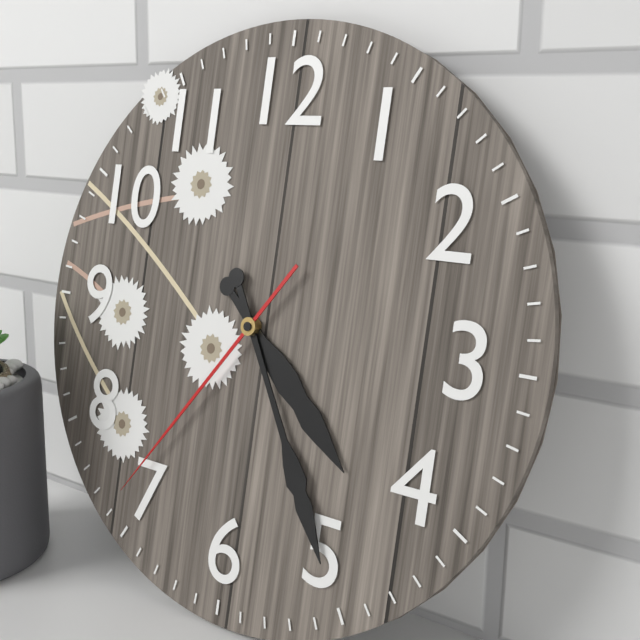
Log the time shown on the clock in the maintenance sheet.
4:25:36
